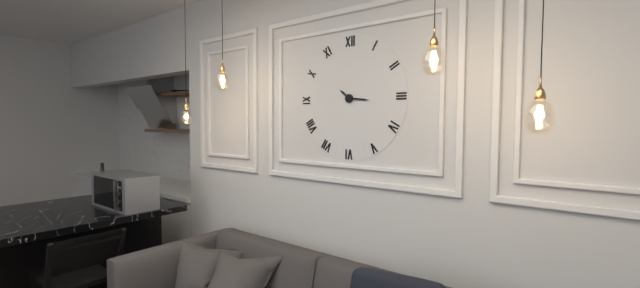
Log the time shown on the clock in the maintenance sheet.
10:16
